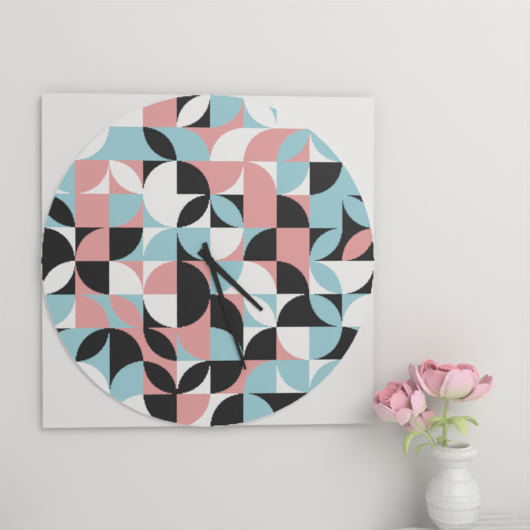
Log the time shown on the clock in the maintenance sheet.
4:27
